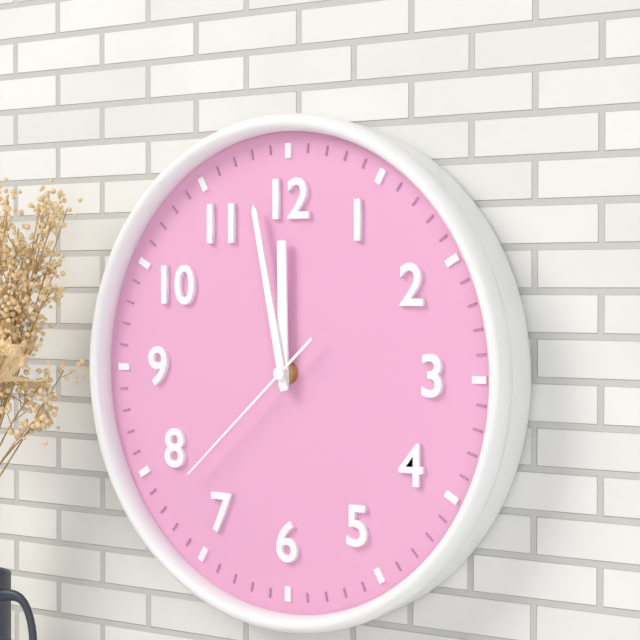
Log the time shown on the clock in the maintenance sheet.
11:58:38
